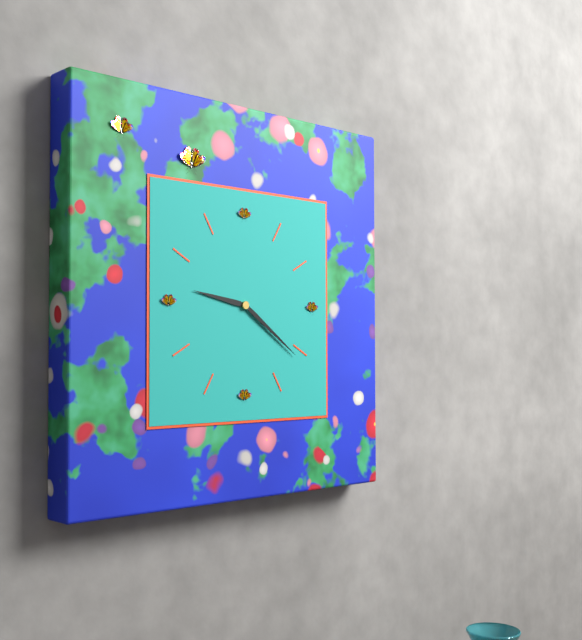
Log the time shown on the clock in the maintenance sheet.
9:21
